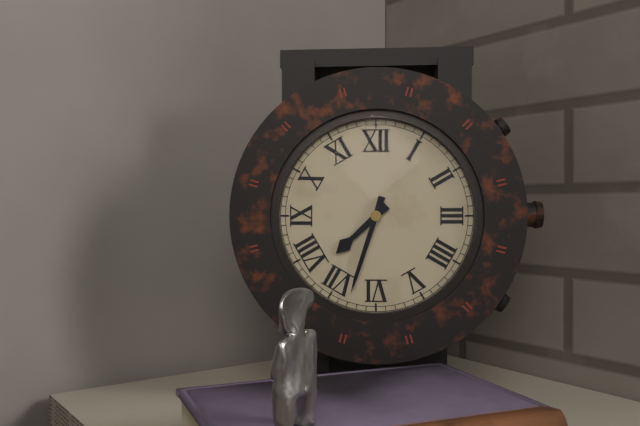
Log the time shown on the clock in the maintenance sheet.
7:33
